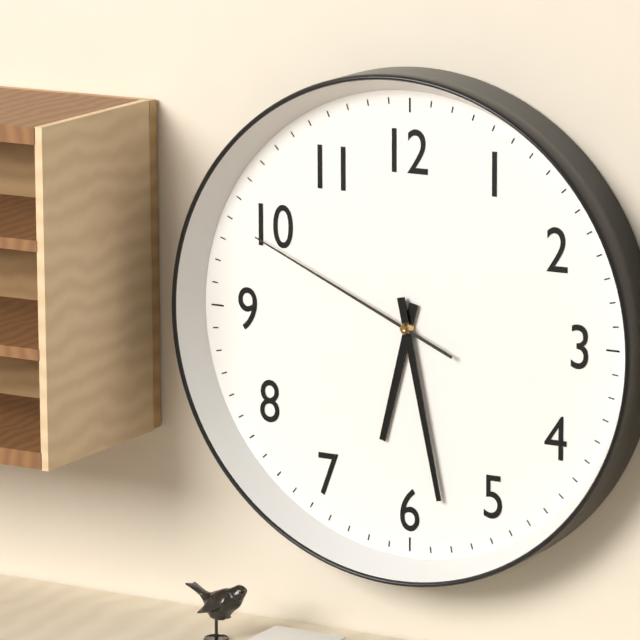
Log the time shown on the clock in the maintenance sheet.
6:28:49
